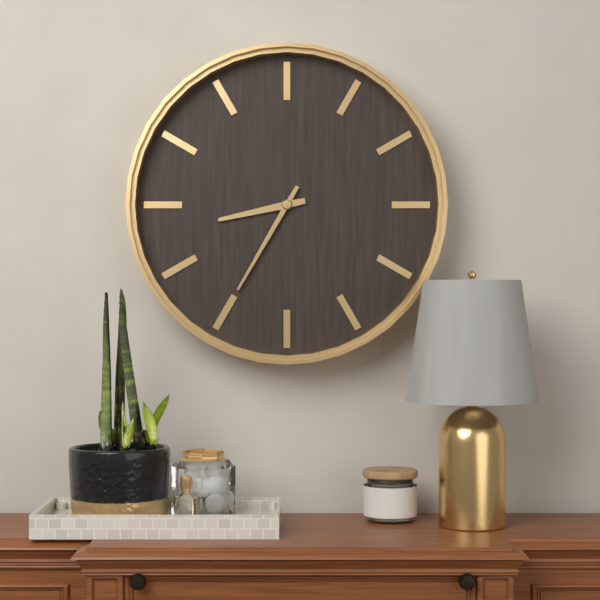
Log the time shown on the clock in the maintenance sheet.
8:35
